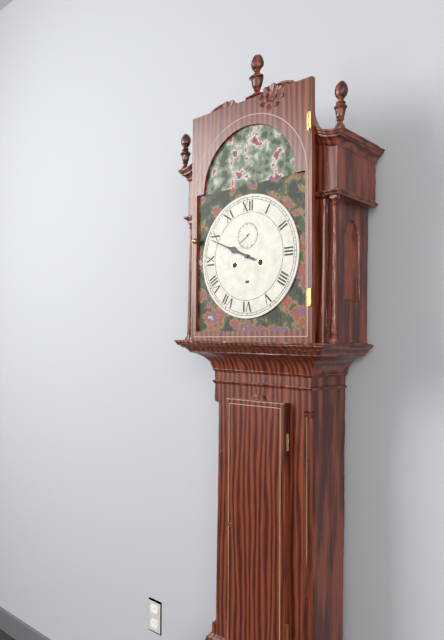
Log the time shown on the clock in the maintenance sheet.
9:49
